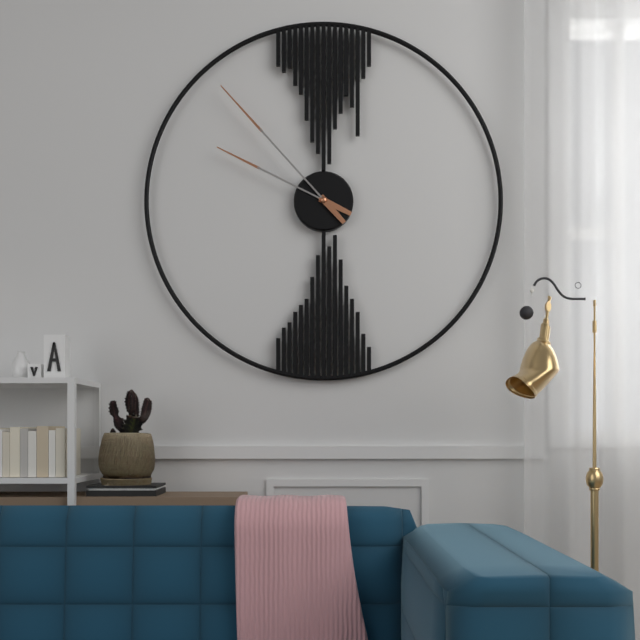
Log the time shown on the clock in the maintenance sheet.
9:53
